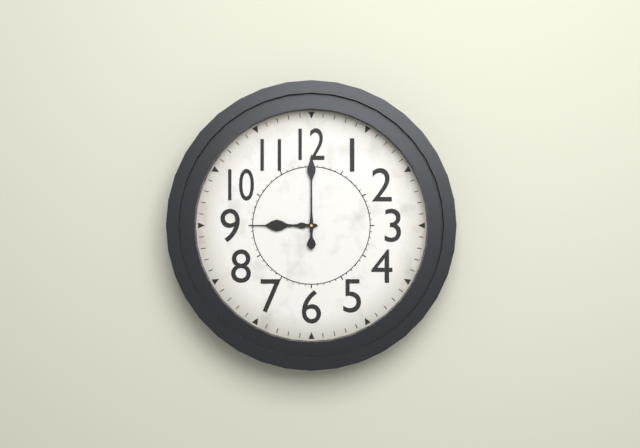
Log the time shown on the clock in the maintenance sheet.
9:00
